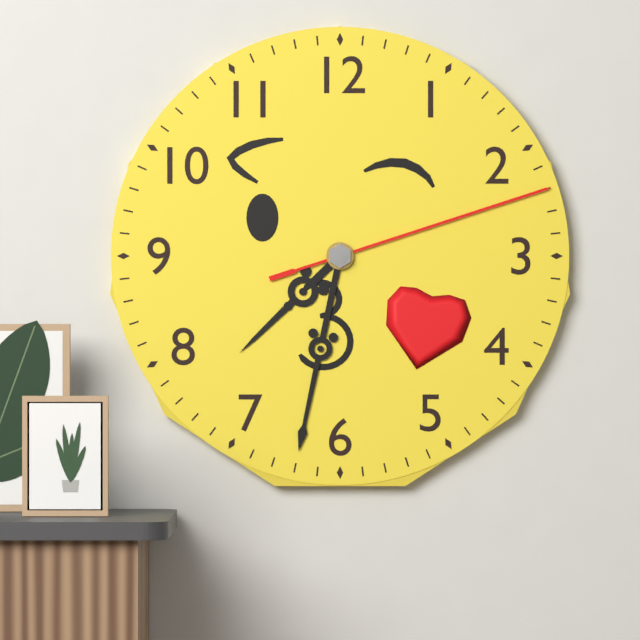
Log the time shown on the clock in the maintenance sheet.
7:32:12
